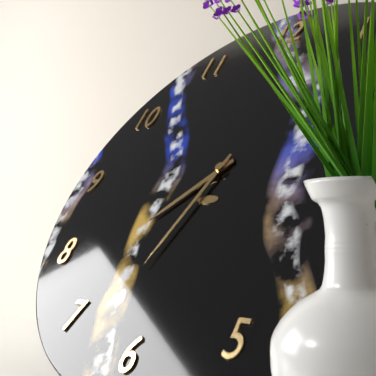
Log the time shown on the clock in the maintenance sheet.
7:33
